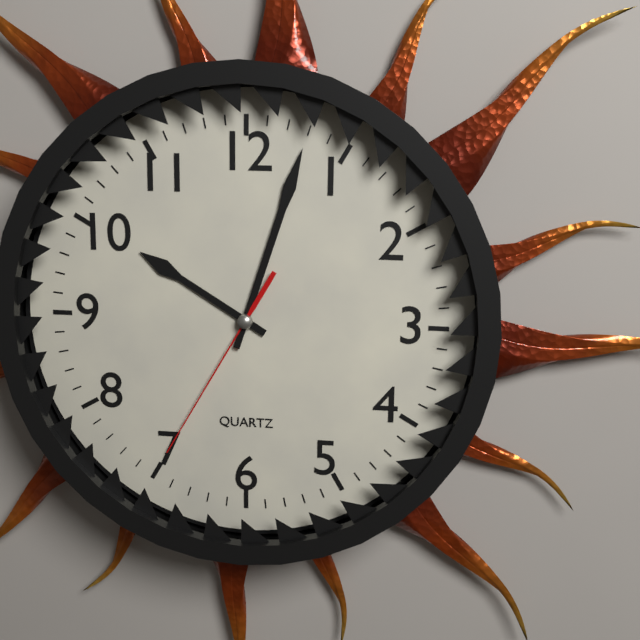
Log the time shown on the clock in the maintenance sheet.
10:03:35
